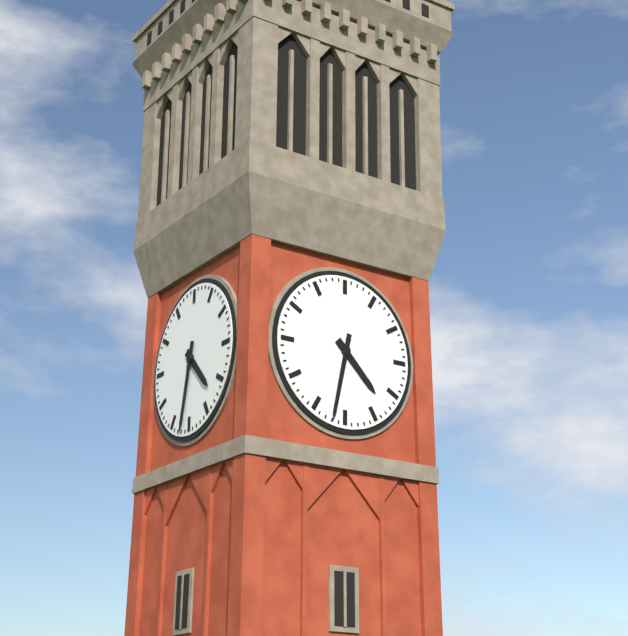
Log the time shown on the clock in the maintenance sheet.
4:32
